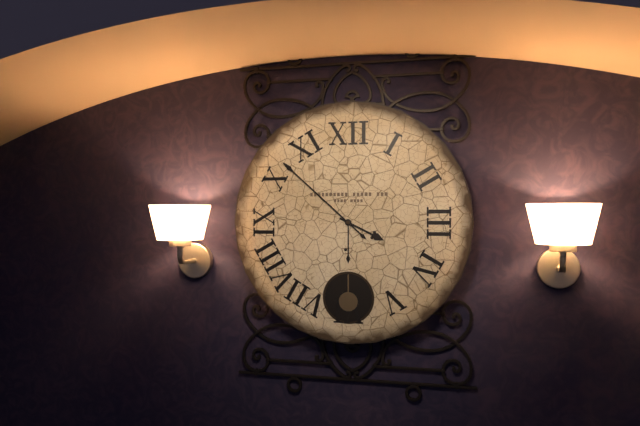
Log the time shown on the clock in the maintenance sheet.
3:52
